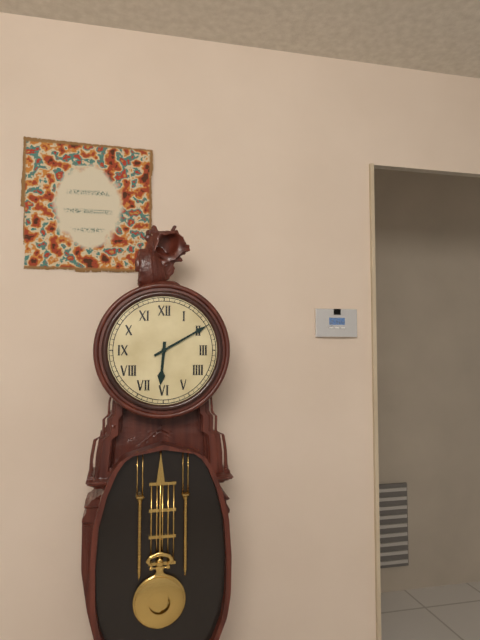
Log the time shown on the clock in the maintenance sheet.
6:10
